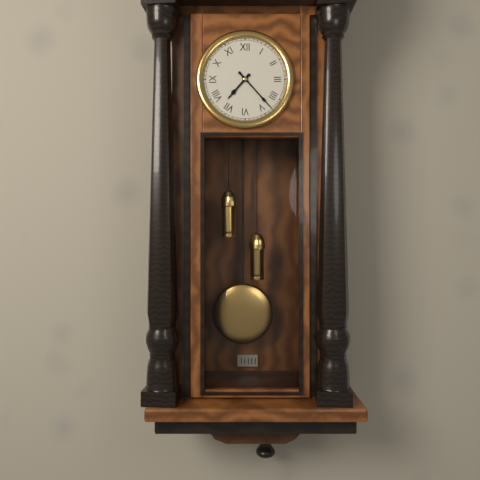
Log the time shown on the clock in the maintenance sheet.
7:23
